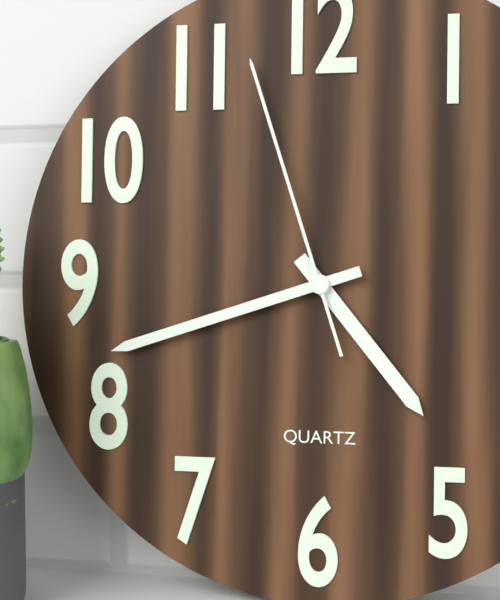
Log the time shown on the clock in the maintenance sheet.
4:42:57
